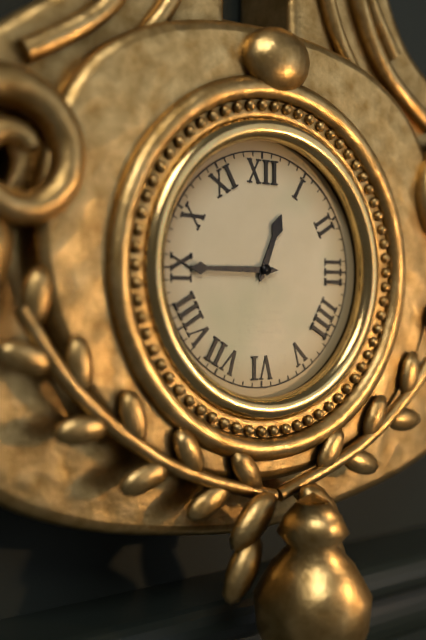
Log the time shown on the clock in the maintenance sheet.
12:45
